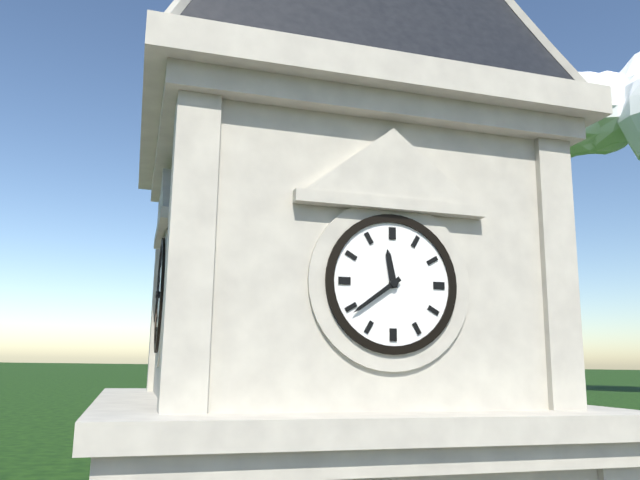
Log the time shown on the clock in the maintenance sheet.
11:39
